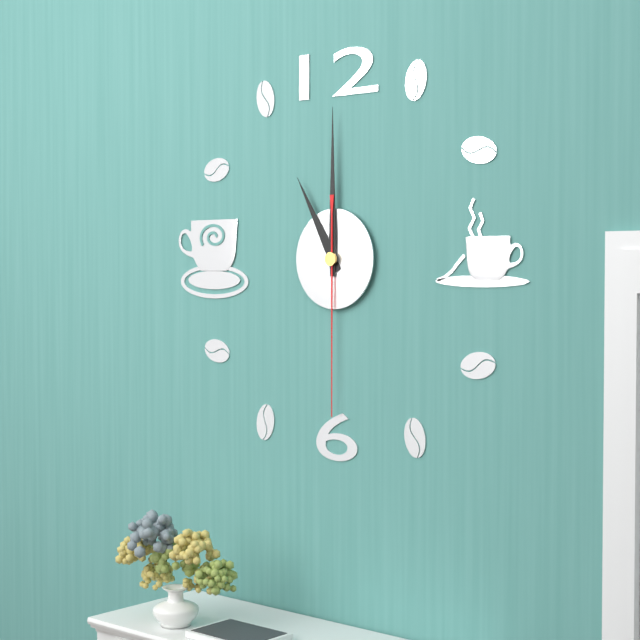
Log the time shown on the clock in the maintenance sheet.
11:00:30
